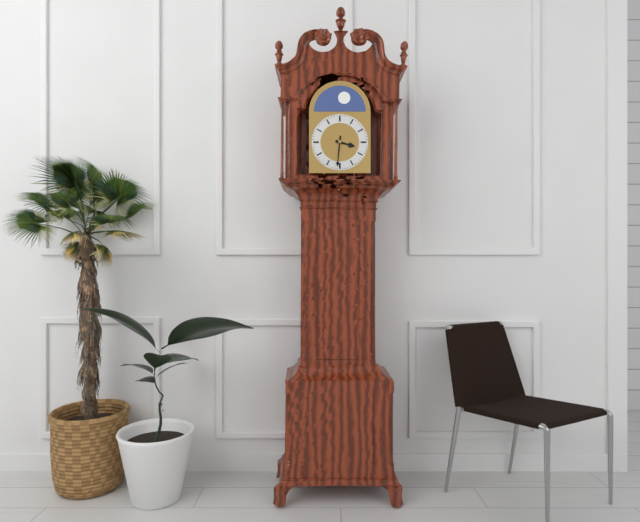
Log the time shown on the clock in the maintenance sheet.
3:31
